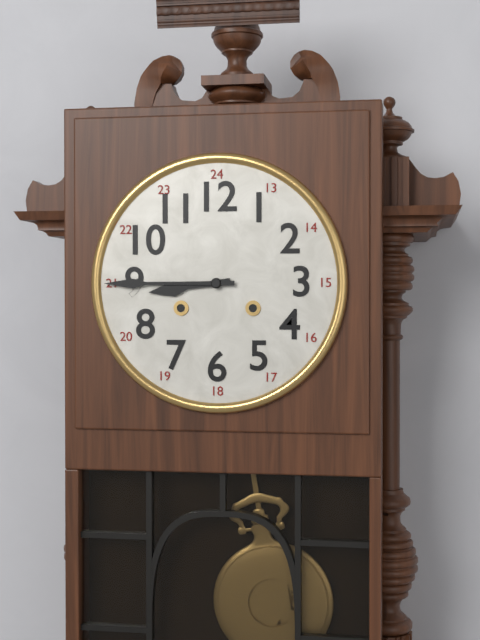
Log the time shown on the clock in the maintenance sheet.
8:45
